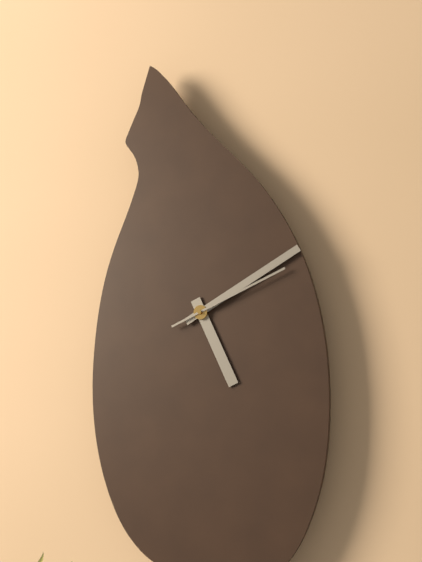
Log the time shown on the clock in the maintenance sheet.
5:10:11
